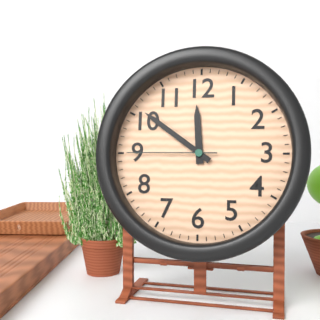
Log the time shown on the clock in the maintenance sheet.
11:51:45
